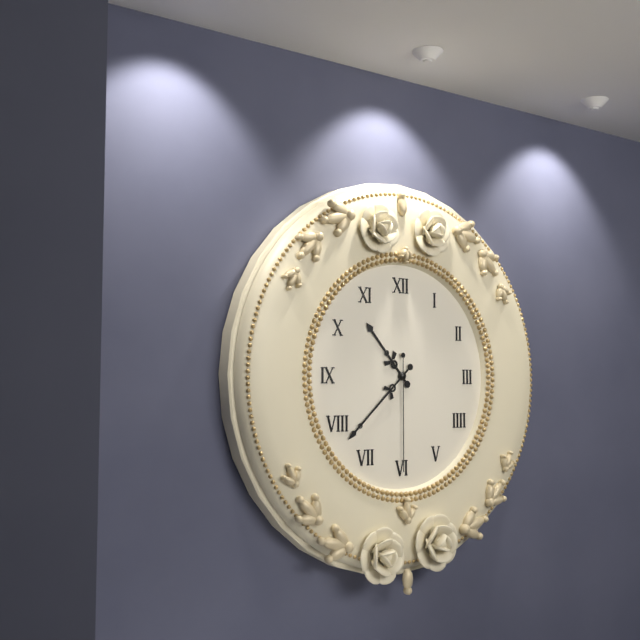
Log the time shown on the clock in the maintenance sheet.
10:38:30
